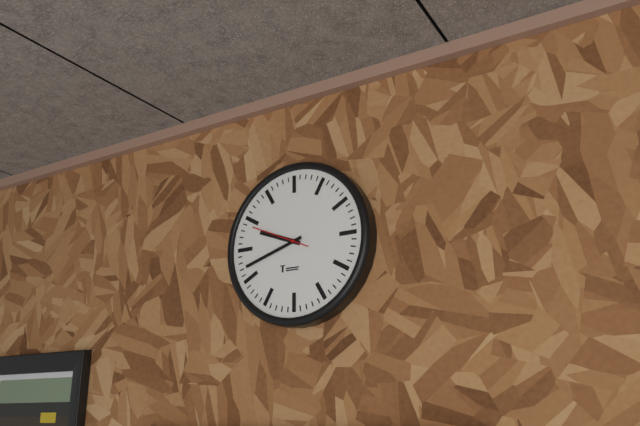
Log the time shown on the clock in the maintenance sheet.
9:42:49
